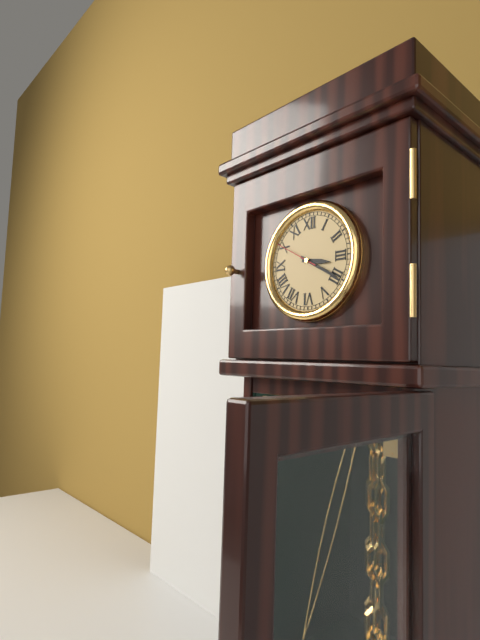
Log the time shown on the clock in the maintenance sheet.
3:20
